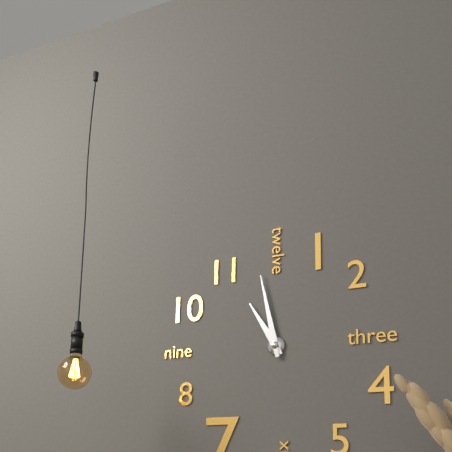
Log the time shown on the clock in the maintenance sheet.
10:58
